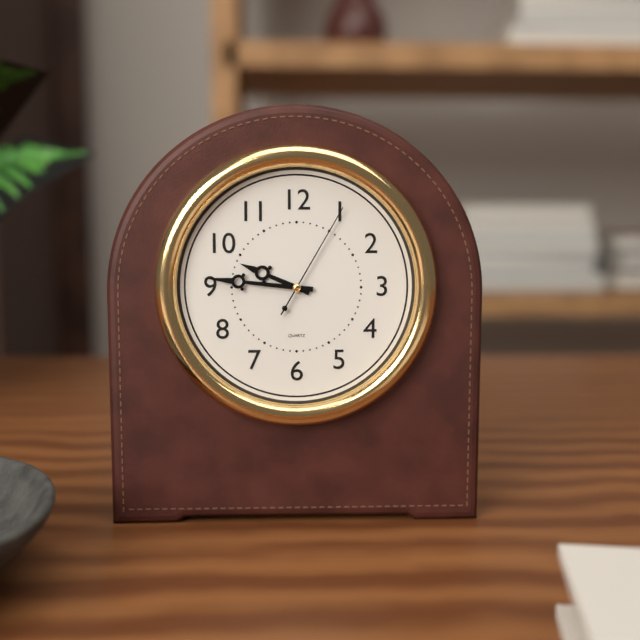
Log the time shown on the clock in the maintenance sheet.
9:46:05
